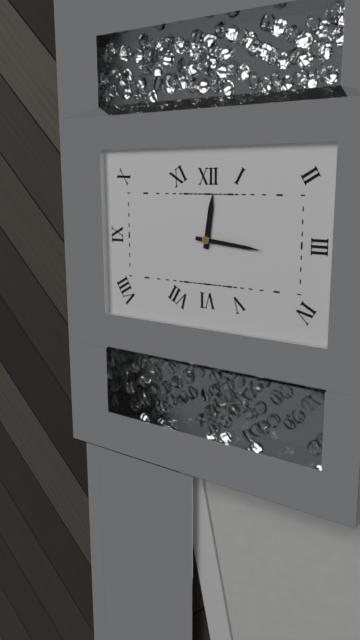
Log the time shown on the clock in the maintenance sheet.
12:16
